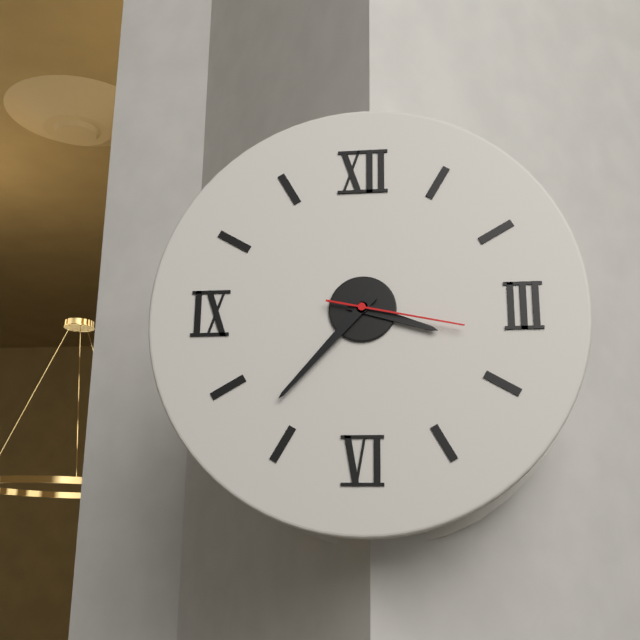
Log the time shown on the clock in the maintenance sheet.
3:37:17
